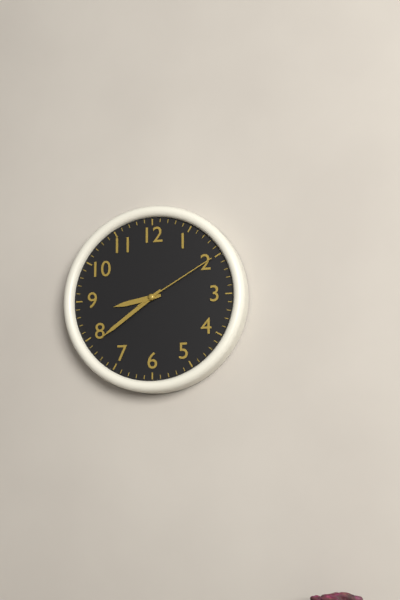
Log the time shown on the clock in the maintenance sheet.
8:39:10
